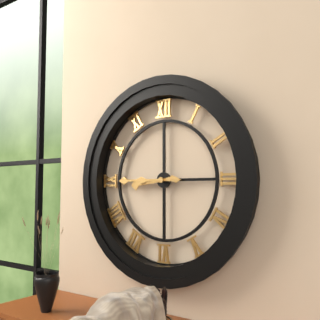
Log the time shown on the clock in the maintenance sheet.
8:45
